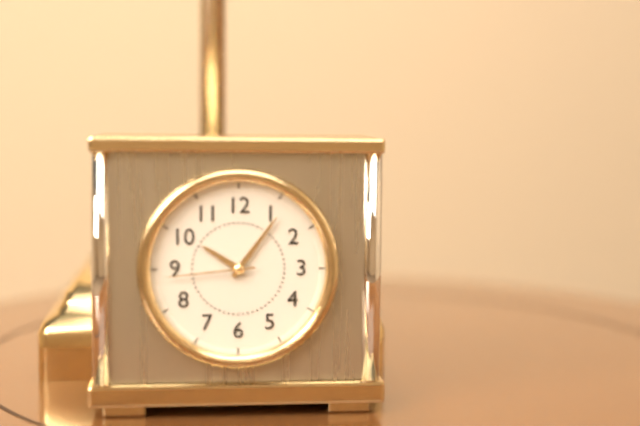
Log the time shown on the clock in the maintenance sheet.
10:06:44
